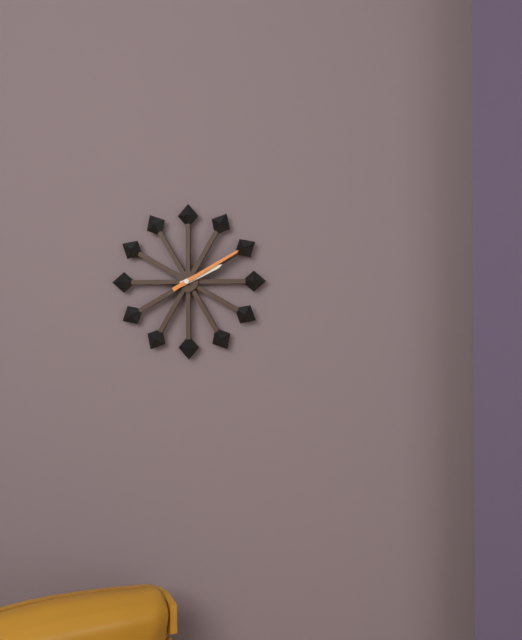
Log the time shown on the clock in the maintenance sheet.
2:10
